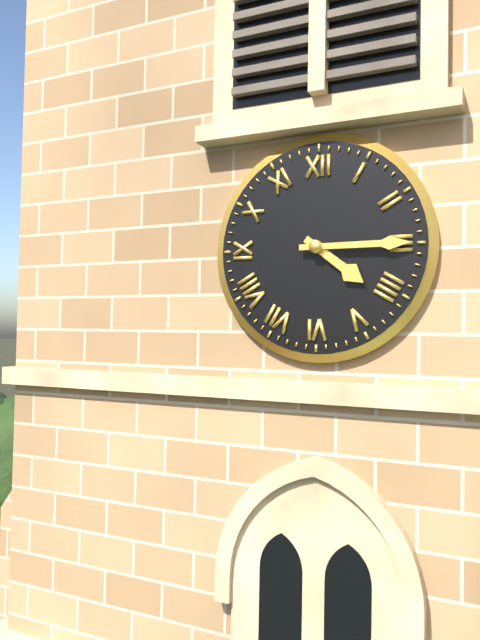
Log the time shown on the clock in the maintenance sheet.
4:15
